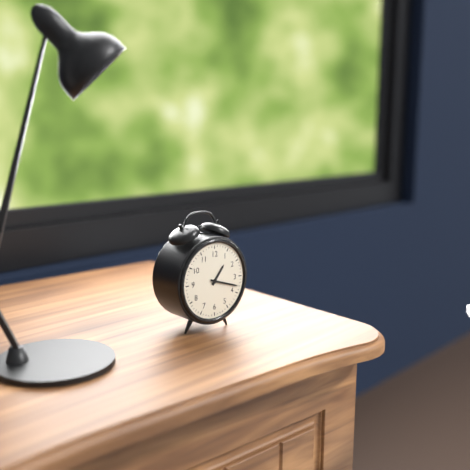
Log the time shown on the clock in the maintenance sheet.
1:18
